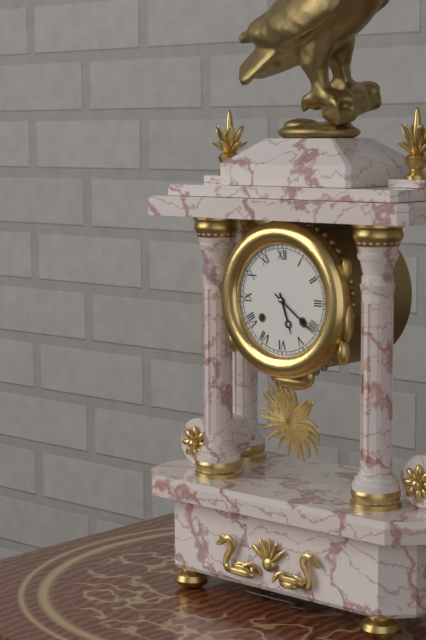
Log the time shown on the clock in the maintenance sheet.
5:21
